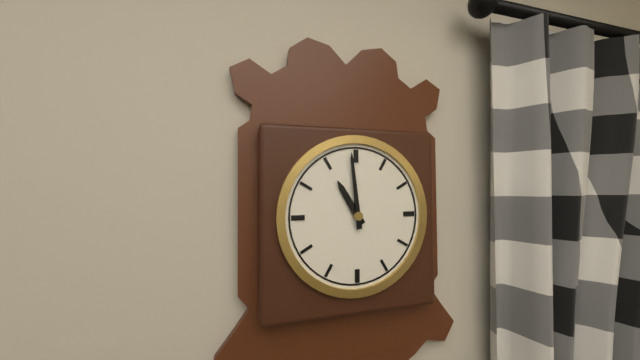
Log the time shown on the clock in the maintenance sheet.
10:59
